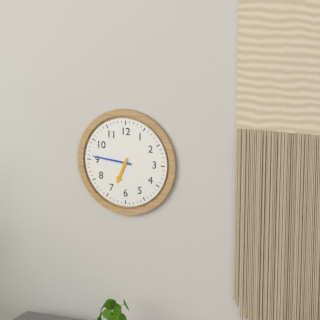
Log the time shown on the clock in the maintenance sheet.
6:46
